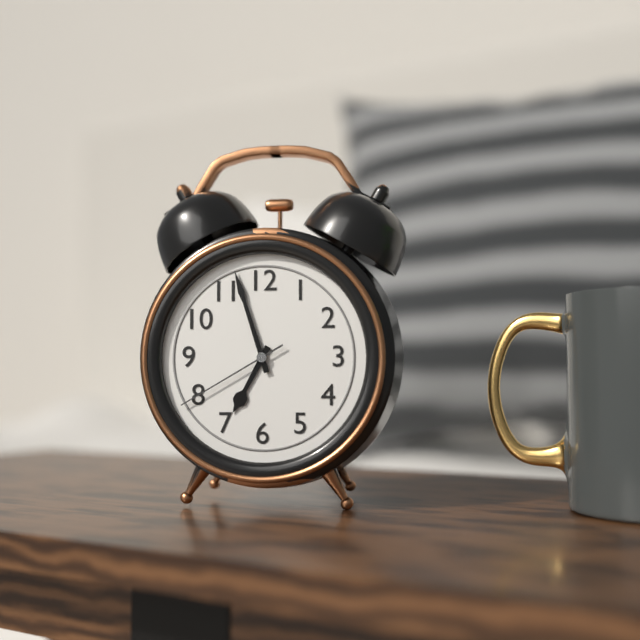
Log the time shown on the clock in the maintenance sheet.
6:57:40
